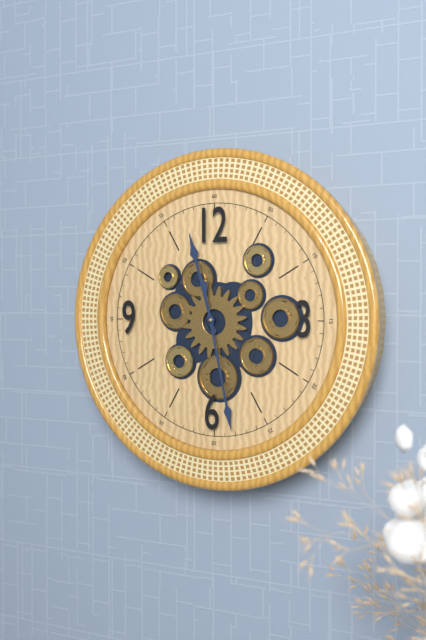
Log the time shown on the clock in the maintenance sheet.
11:28
